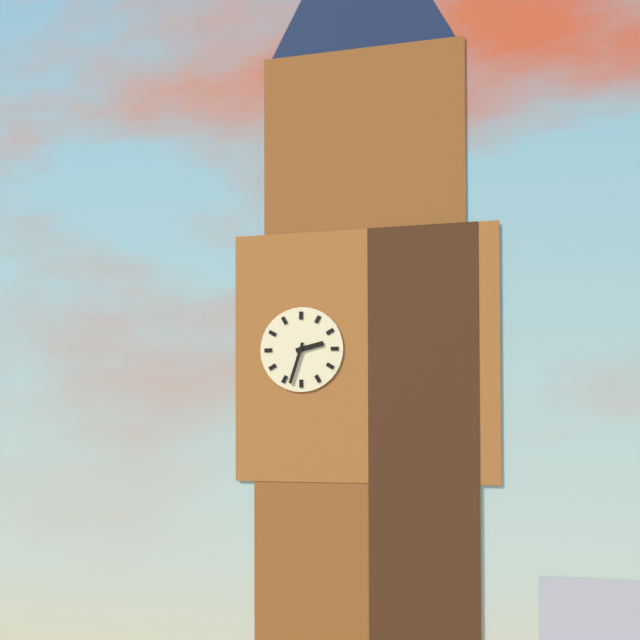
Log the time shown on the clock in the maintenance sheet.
2:33
